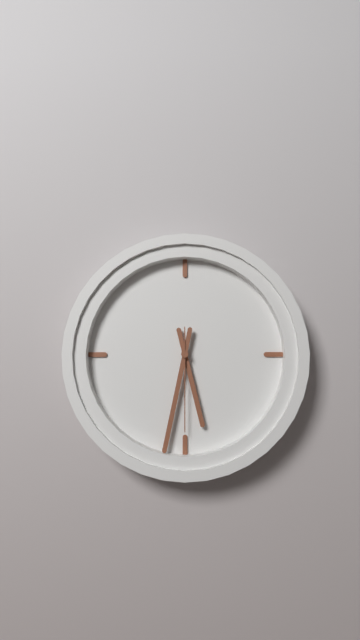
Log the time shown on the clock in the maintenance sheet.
5:32:30
